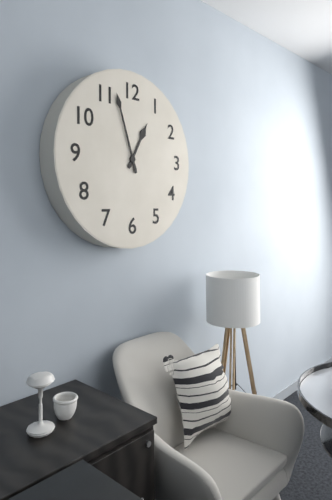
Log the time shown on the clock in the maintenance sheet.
12:57
